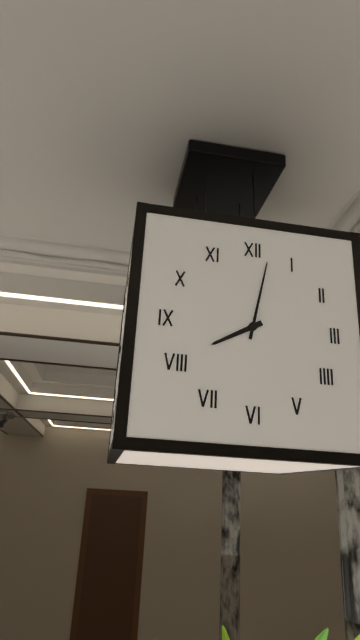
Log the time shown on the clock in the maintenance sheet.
8:02
